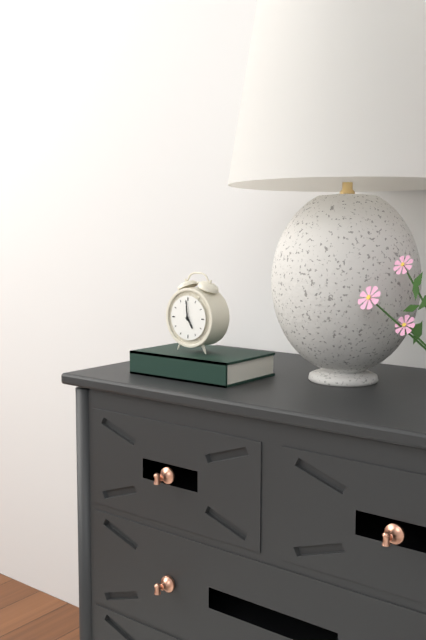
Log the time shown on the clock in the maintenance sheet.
4:59
